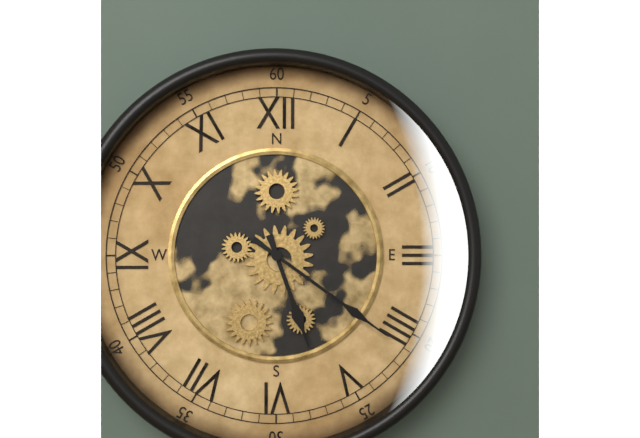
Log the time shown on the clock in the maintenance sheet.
5:21
